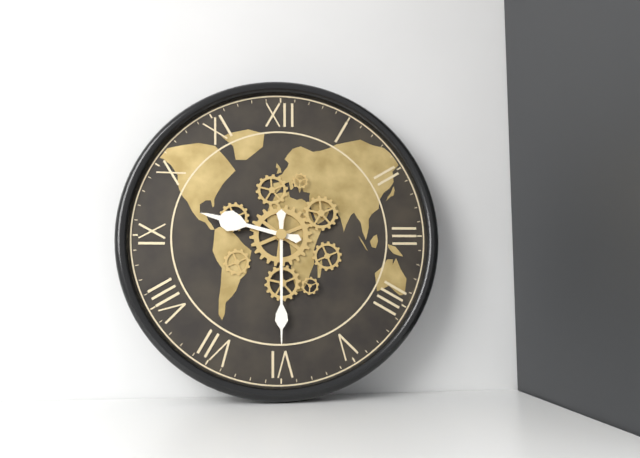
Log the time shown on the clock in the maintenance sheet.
9:30
